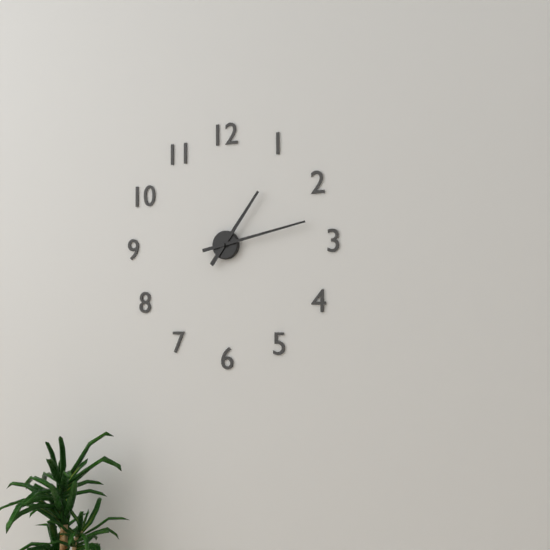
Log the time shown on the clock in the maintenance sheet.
1:13
